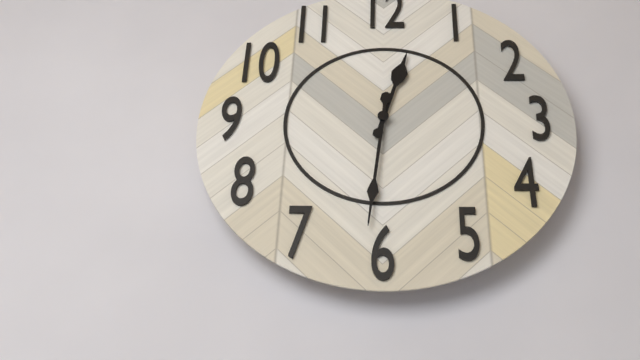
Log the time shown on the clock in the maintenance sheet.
12:31
